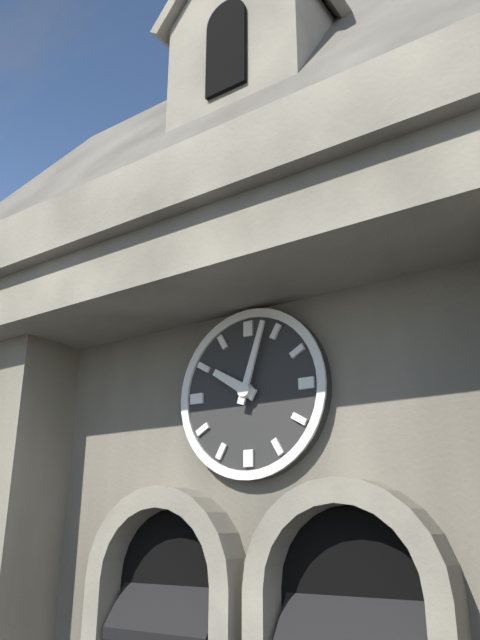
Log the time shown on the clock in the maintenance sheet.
10:03
